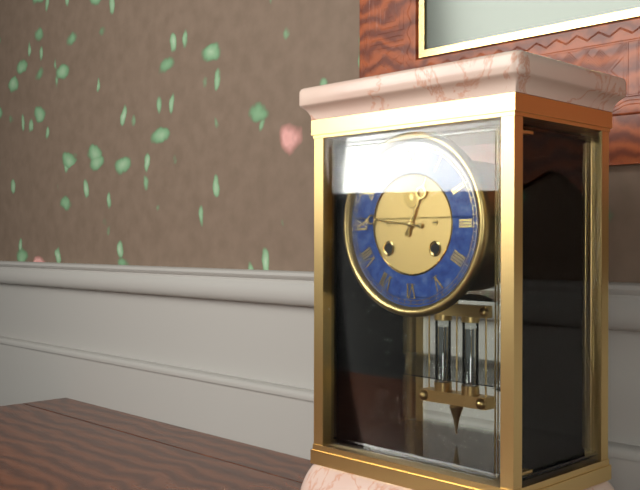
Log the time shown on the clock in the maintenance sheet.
12:46
